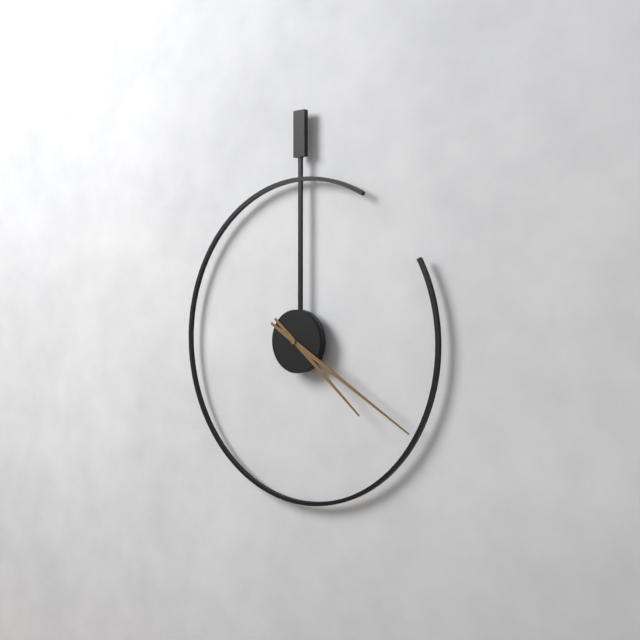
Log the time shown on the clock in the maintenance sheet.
4:20
